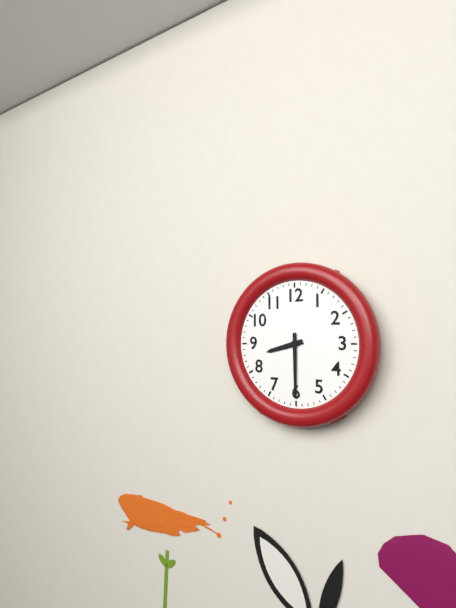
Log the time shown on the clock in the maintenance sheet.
8:30
